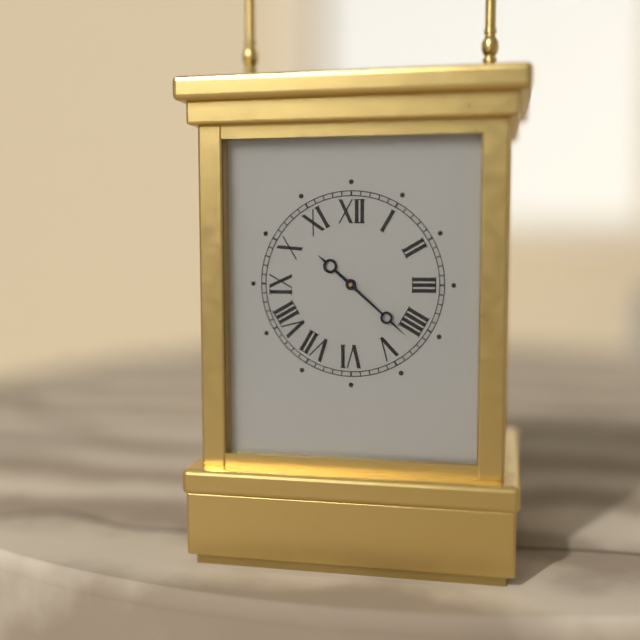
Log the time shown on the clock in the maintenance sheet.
10:22
